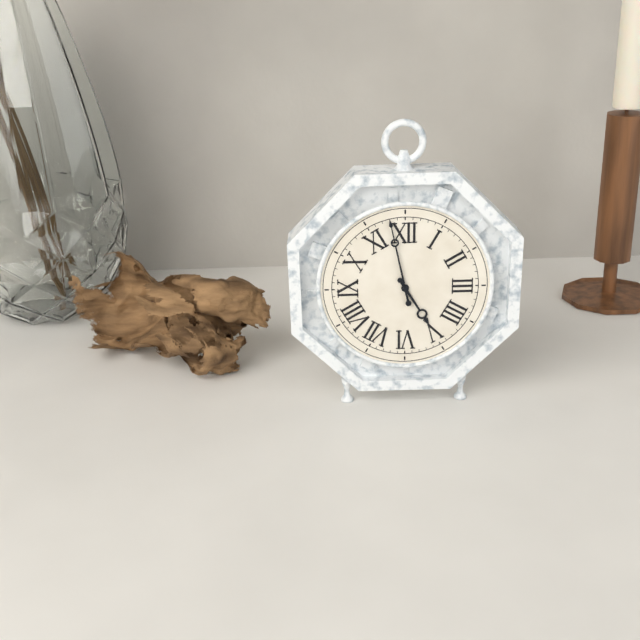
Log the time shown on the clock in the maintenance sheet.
4:58
